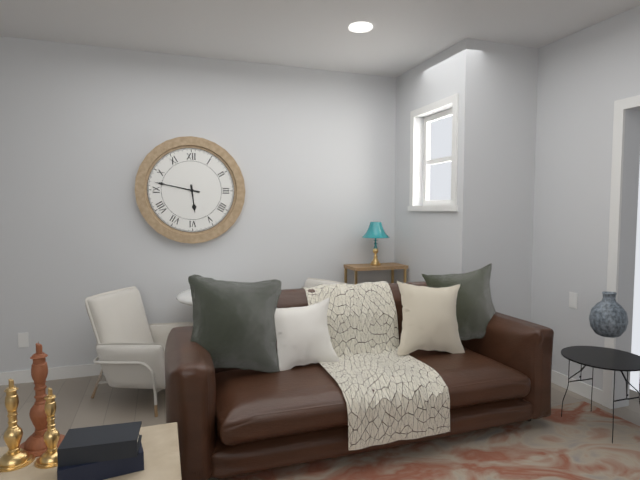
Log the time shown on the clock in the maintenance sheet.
5:47
